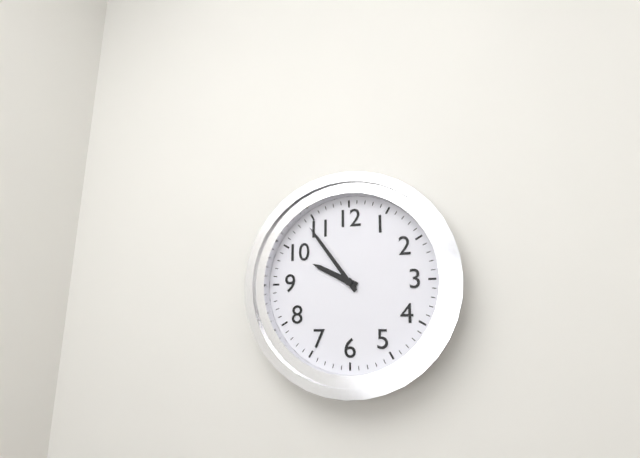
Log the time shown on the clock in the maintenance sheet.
9:54
